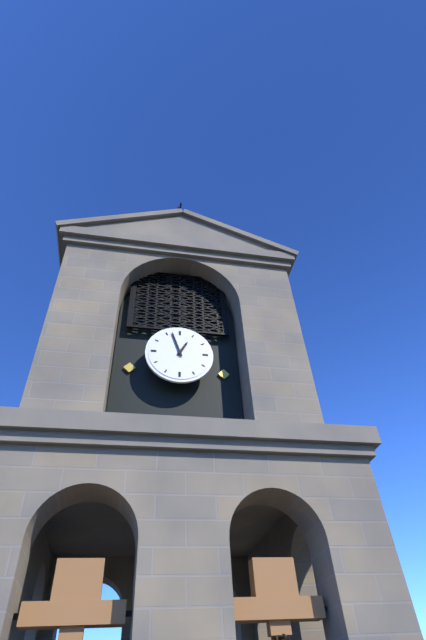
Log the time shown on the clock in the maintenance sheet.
12:57
